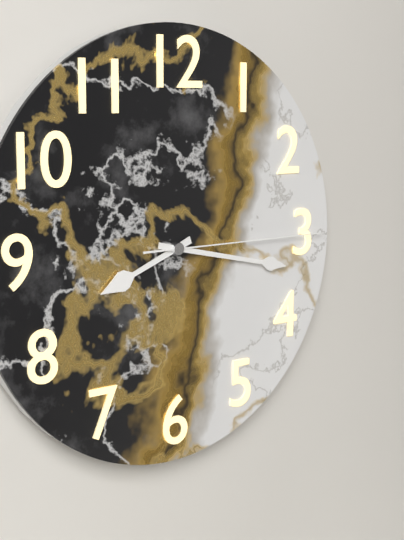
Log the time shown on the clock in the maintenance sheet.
8:17:15
